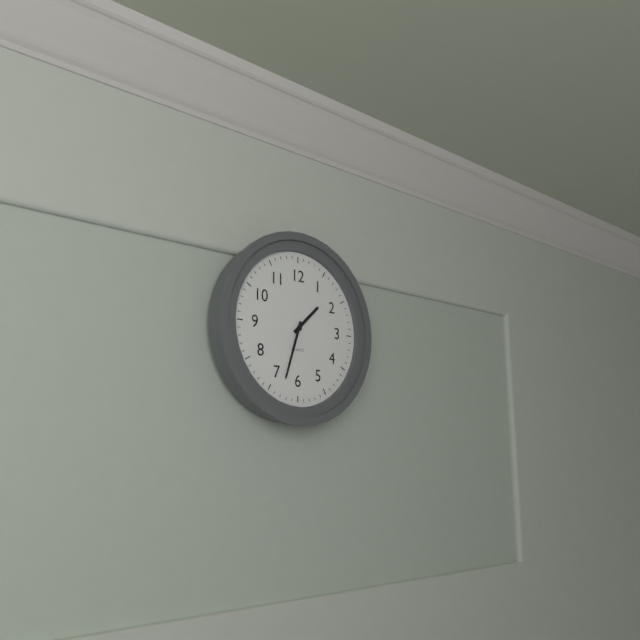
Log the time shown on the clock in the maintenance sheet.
1:33
